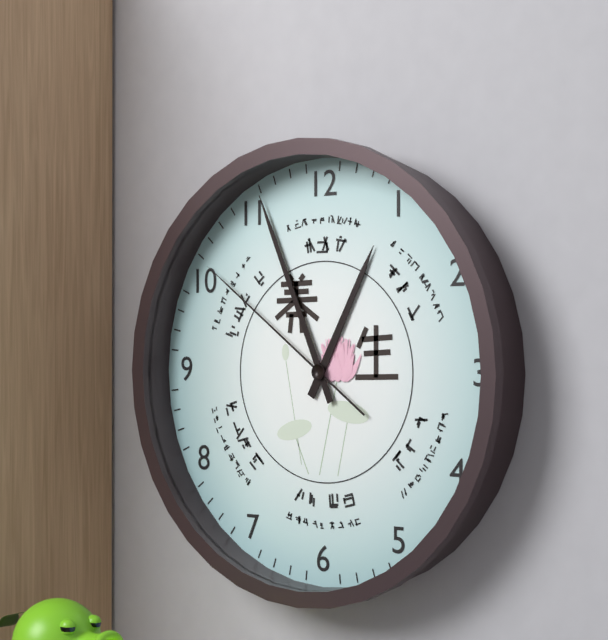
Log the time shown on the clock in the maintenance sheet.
12:56:51
